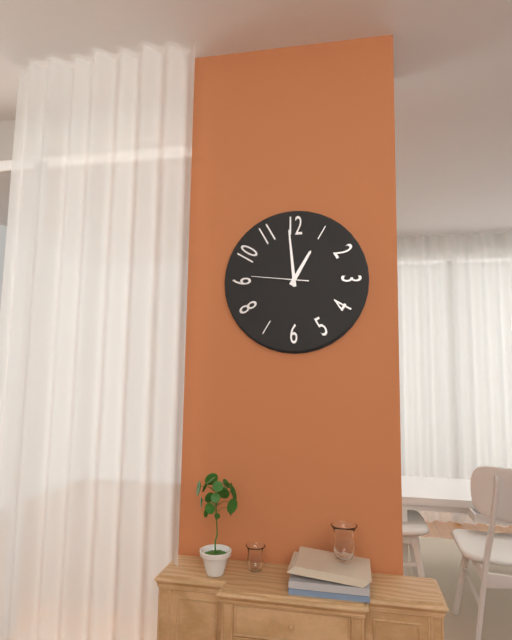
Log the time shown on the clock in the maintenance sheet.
12:59:46
